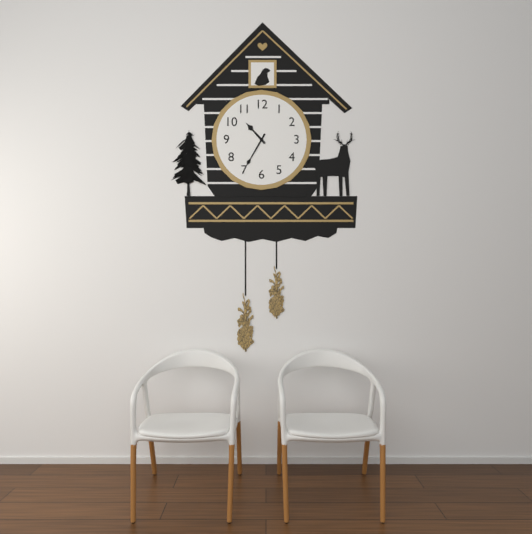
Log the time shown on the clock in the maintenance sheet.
10:35
